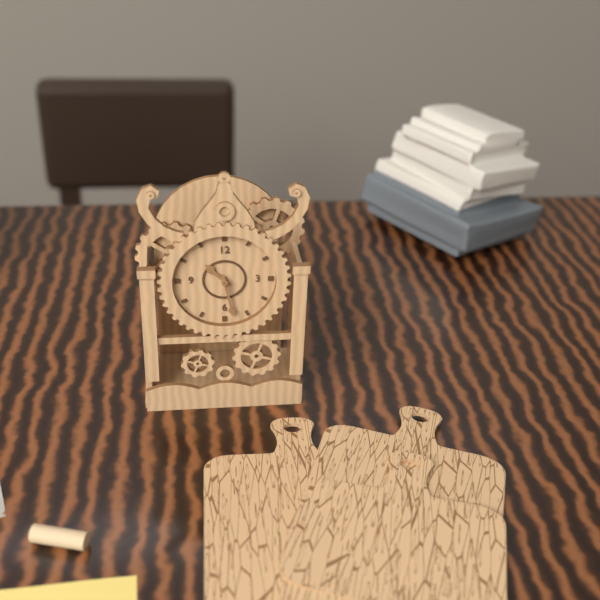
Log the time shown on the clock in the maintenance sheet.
10:28
